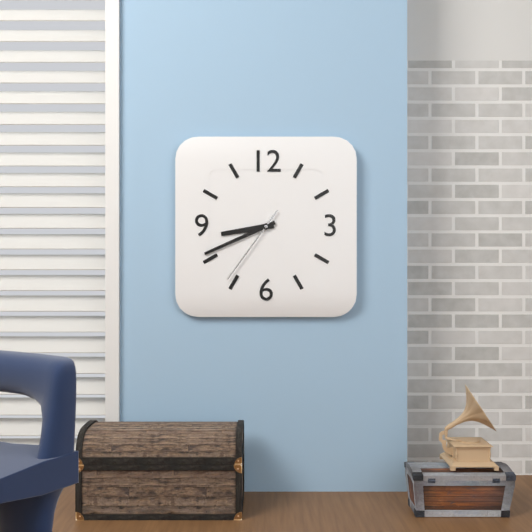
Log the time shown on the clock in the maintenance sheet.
8:41:36
